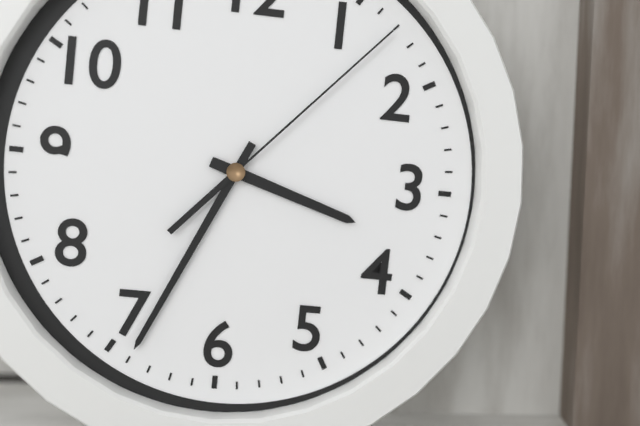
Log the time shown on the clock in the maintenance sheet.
3:34:07
